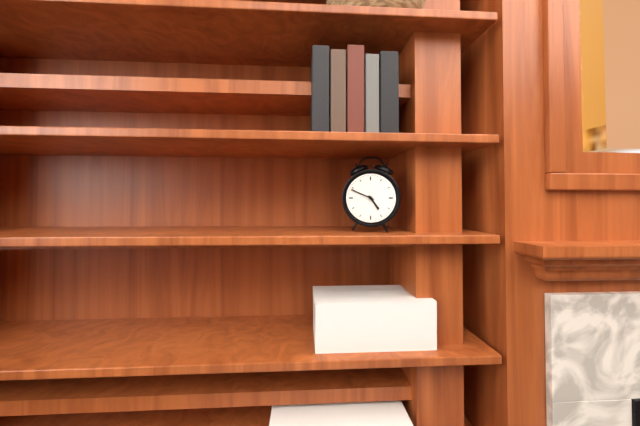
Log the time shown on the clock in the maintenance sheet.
4:49
